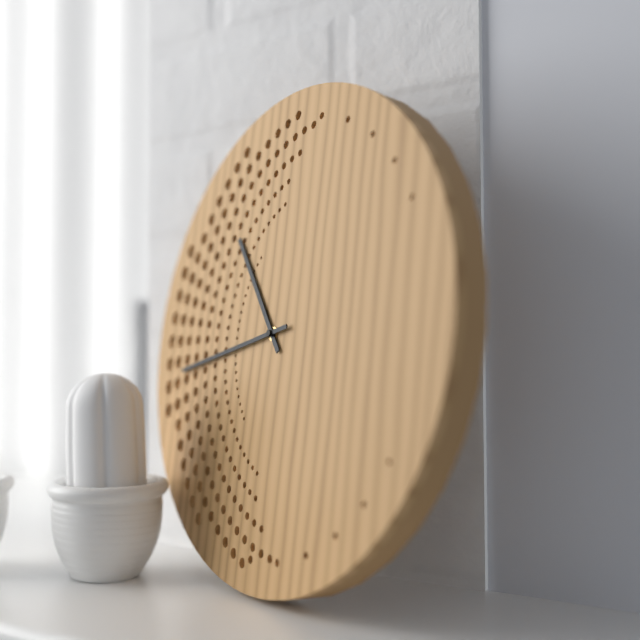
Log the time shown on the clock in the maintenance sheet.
10:43
